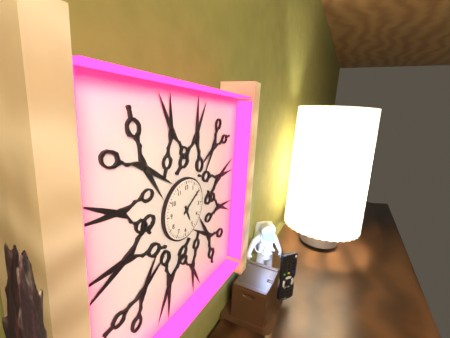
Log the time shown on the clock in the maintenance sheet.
5:09
